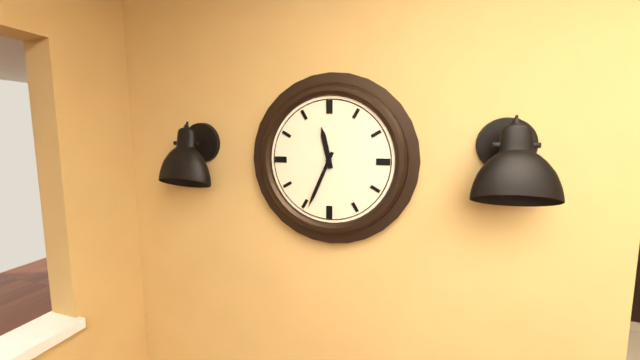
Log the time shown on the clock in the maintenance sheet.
11:34
